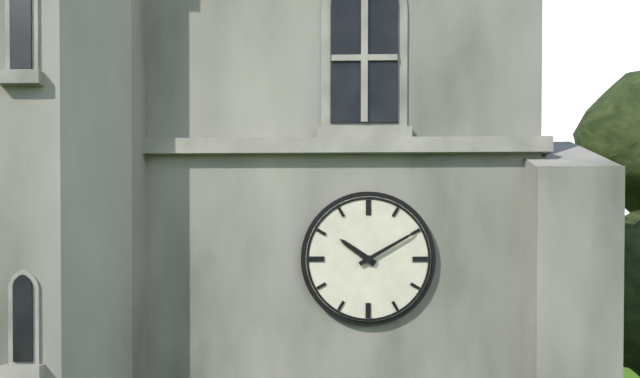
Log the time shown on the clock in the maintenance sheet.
10:10
